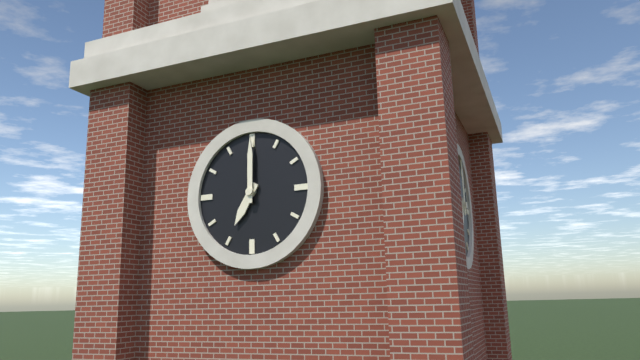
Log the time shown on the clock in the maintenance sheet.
7:00
